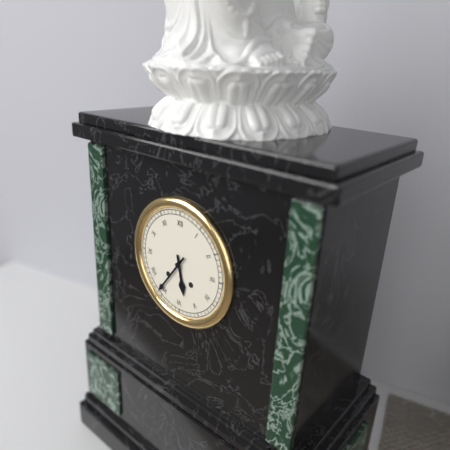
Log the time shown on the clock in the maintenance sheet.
5:36
